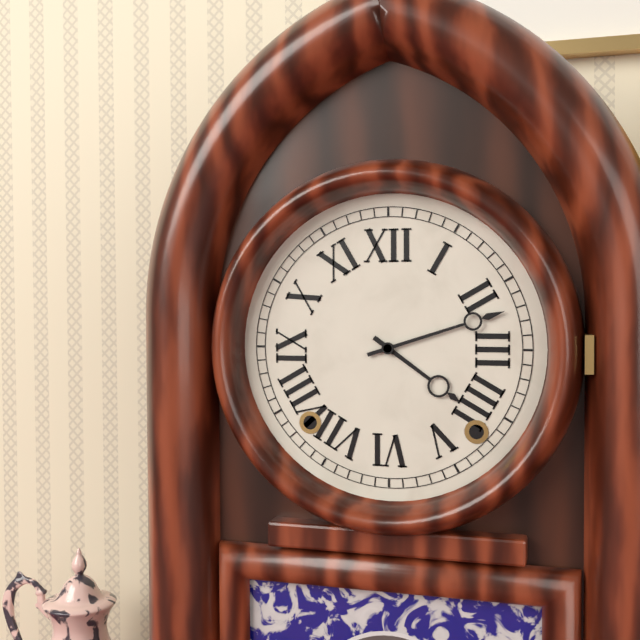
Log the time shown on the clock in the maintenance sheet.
4:12
